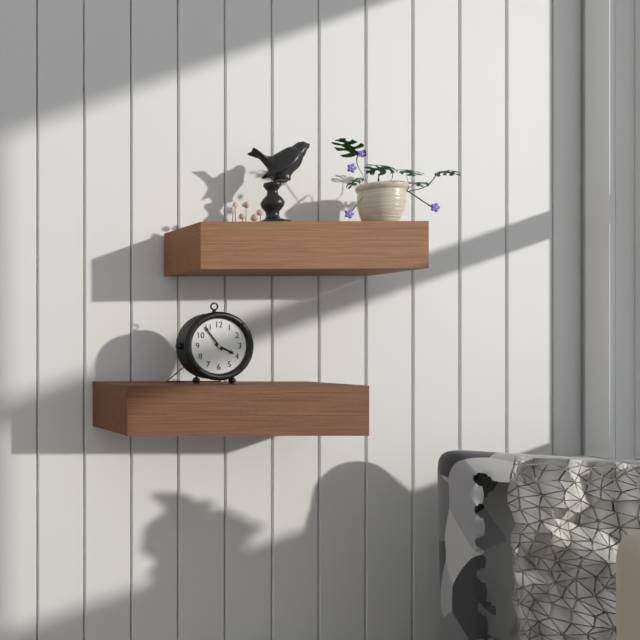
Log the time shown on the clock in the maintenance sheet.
3:54
